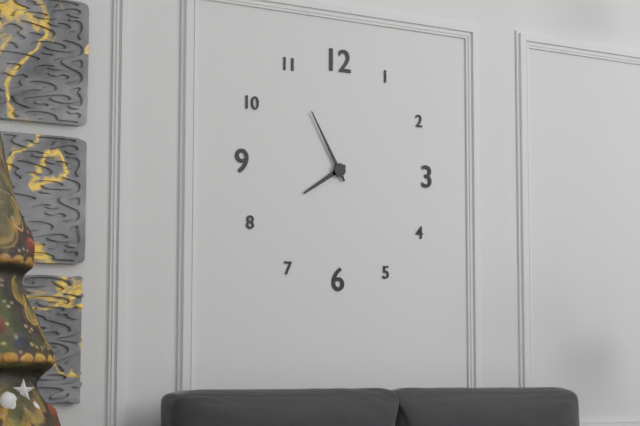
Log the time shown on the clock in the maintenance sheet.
7:55
